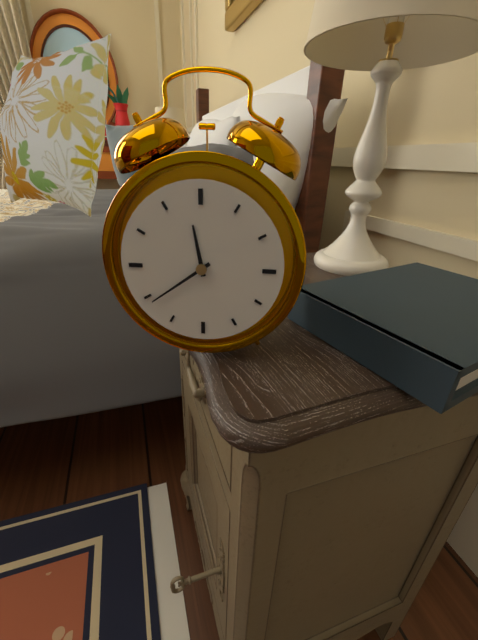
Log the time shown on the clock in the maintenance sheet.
11:39
